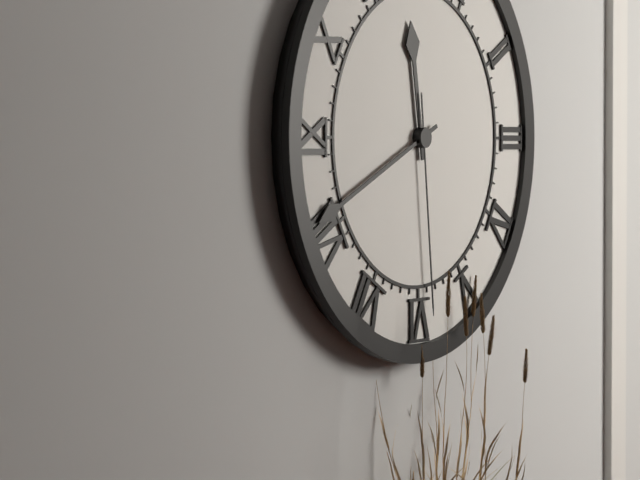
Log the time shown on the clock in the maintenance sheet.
11:41:29
